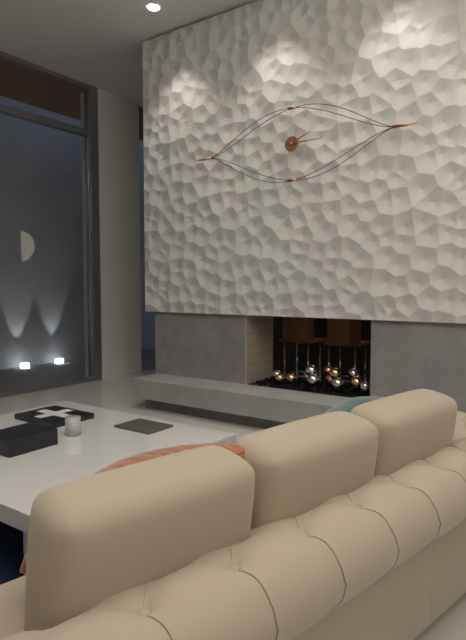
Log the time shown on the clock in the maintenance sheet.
2:15
